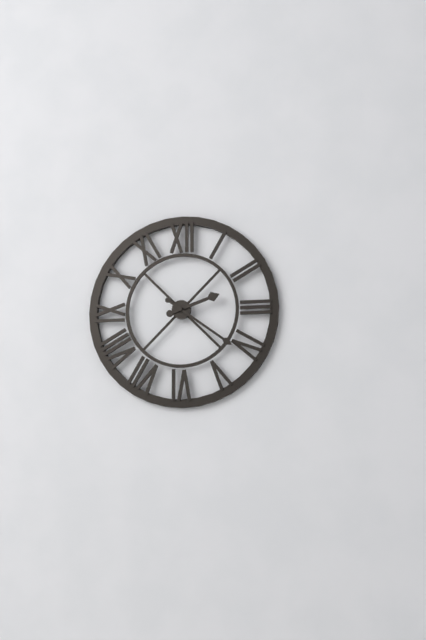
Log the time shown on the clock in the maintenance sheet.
2:21
